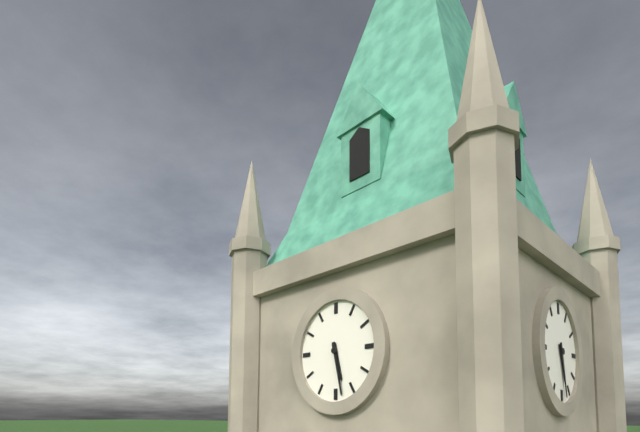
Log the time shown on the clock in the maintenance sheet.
5:28
